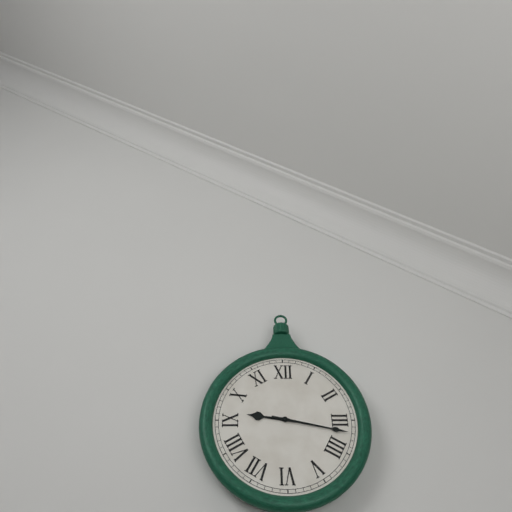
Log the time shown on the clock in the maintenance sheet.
9:17
